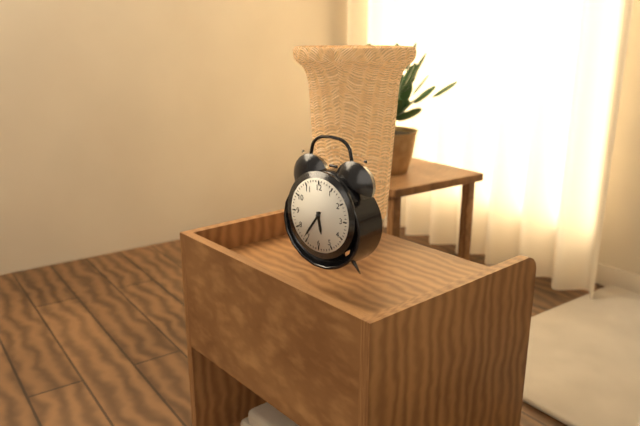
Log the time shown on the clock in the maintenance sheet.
5:36
